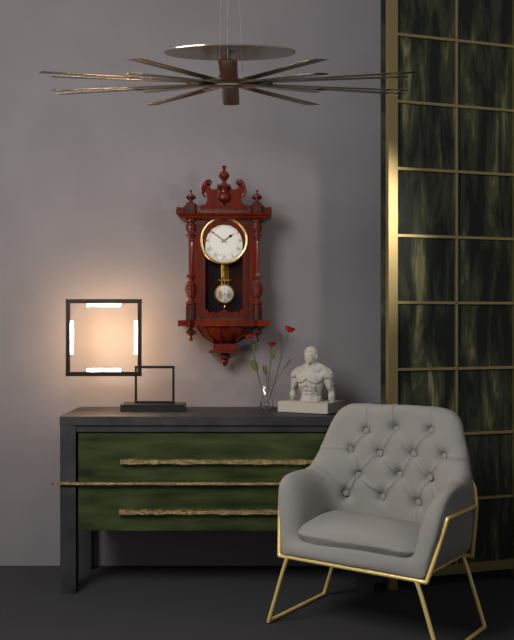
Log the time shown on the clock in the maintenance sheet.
1:51
